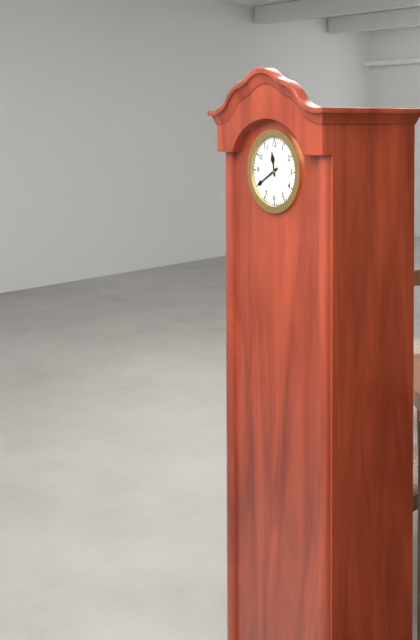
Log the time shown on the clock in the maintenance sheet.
11:40
